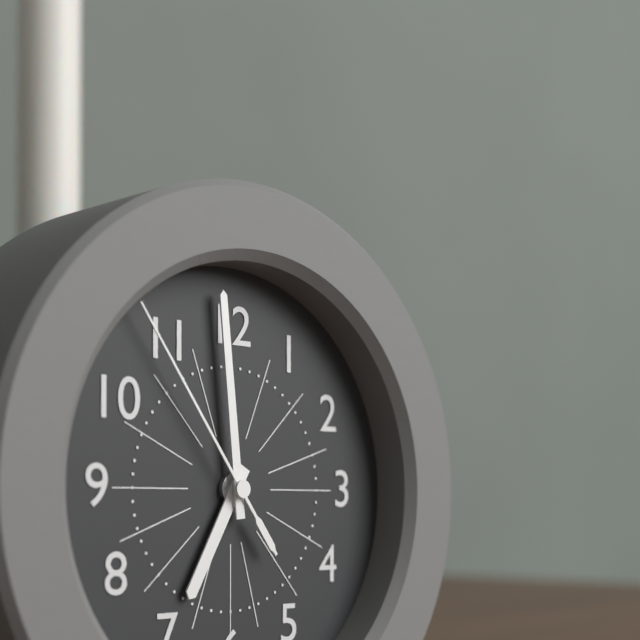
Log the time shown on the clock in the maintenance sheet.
6:59:54
